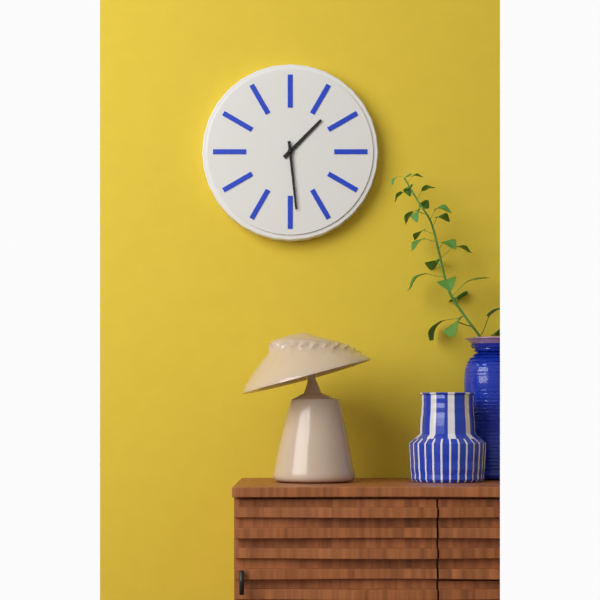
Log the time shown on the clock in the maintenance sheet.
1:29
